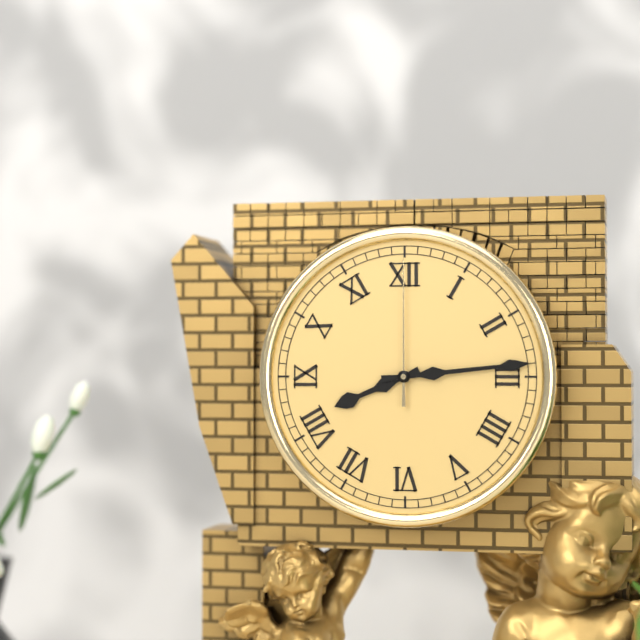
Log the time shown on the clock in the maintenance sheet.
8:14:00
